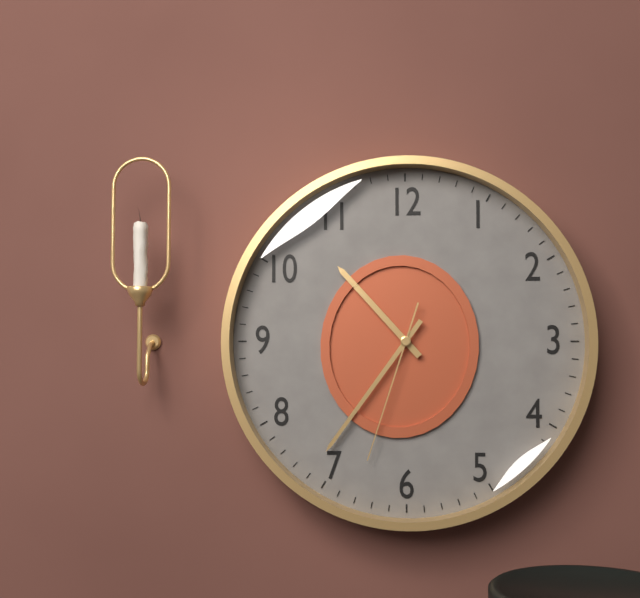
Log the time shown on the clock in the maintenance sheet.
10:36:33
